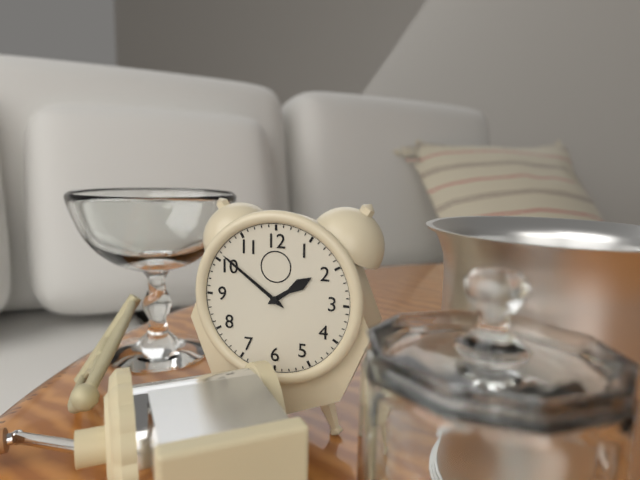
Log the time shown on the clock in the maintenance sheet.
1:51
